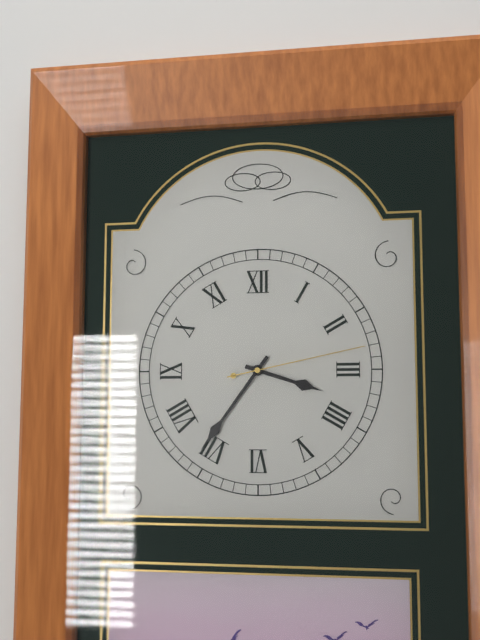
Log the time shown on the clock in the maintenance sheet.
3:36:13
